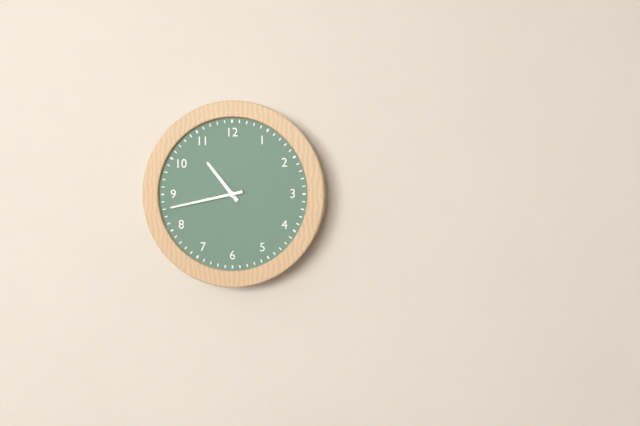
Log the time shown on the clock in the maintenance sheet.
10:43
